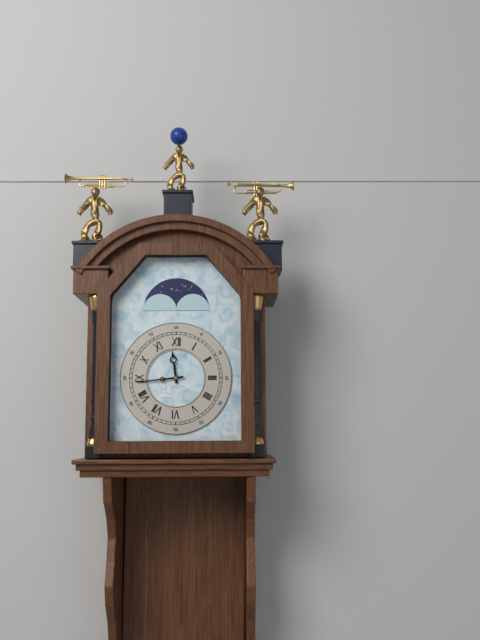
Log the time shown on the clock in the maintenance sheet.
11:44
